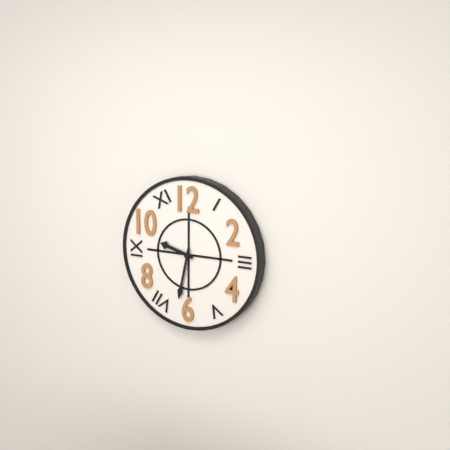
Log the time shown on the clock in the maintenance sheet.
9:32
